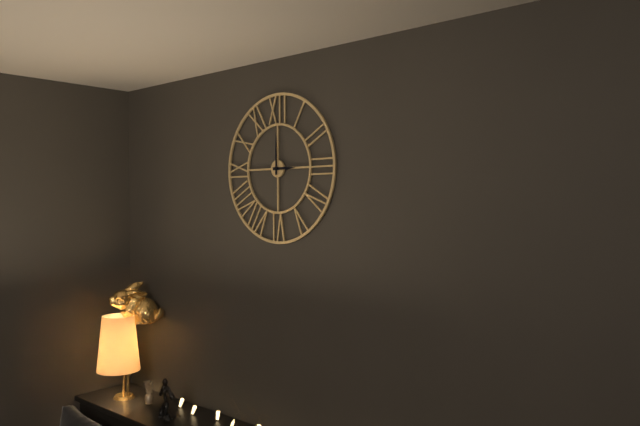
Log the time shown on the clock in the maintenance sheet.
3:00
